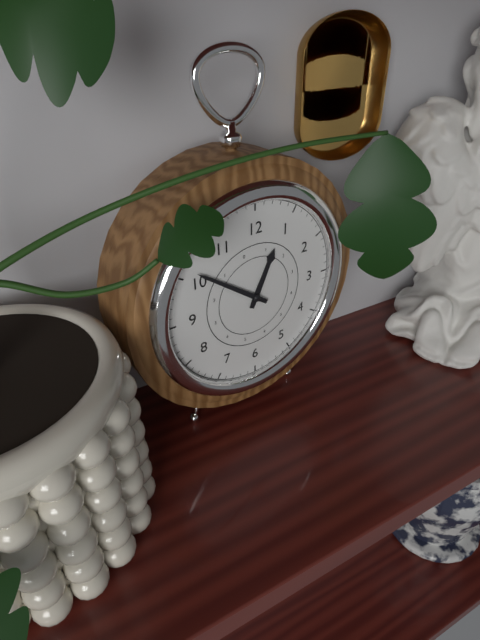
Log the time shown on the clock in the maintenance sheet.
12:51
